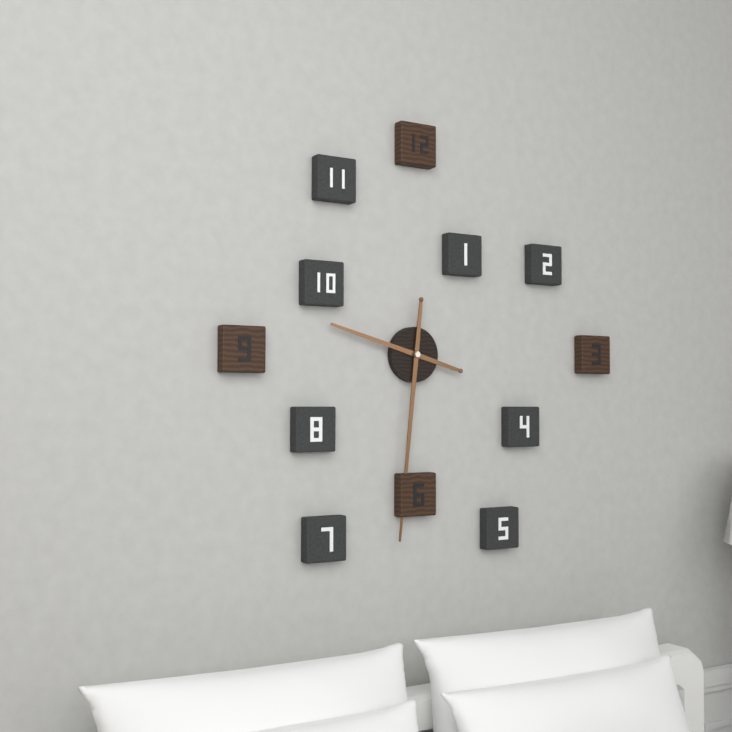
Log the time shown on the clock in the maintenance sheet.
9:31
